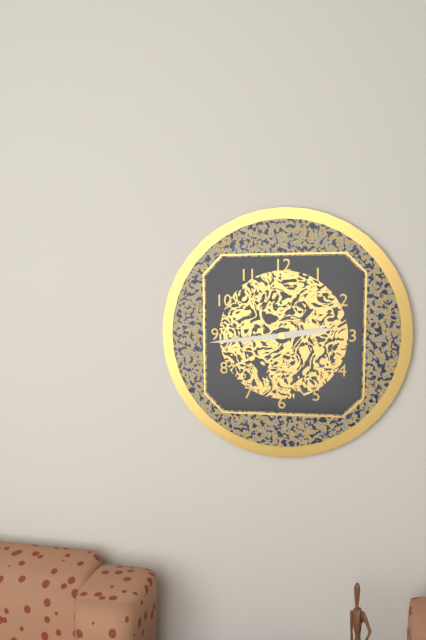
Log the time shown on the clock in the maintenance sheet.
2:44
